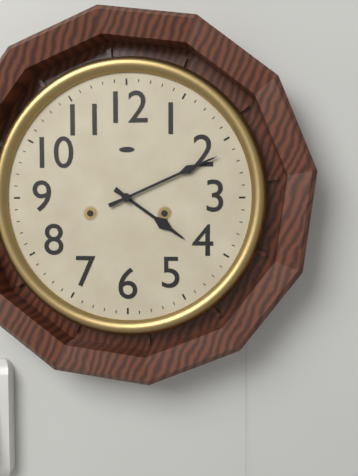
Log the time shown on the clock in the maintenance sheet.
4:11
